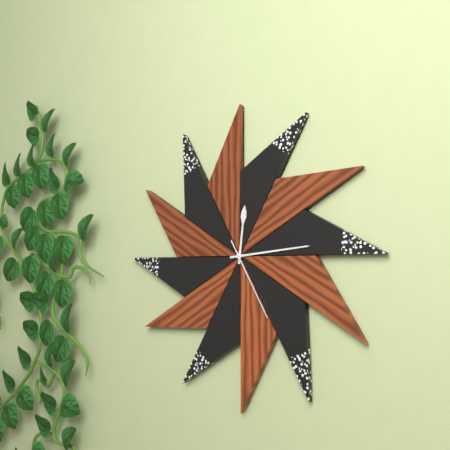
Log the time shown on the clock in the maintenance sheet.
12:14:25
